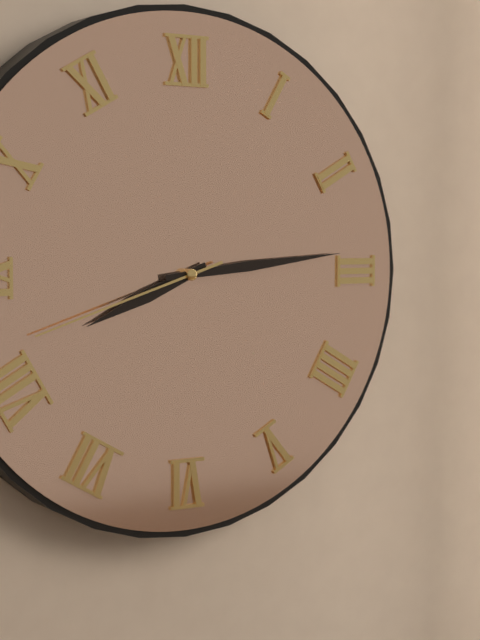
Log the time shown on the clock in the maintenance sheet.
8:14:42
